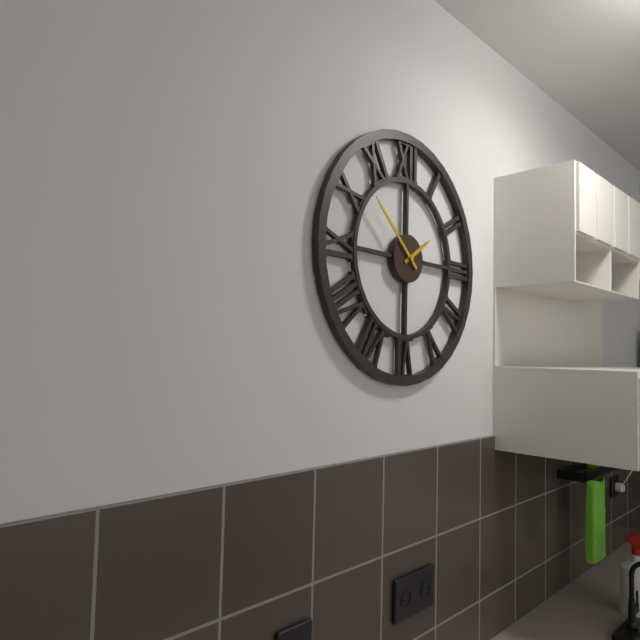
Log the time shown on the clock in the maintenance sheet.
1:52
